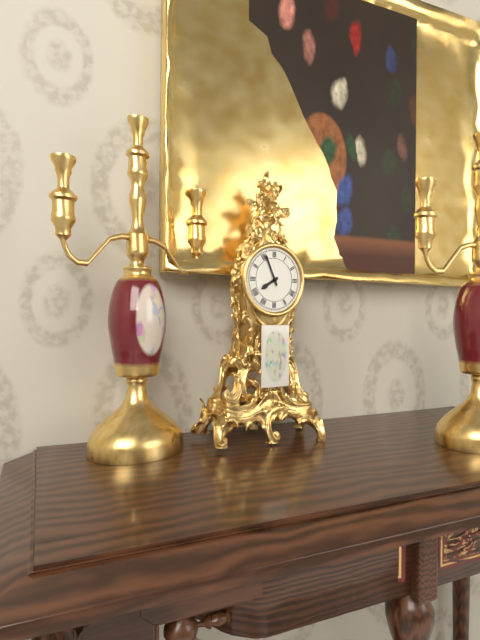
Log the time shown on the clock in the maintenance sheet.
7:56
